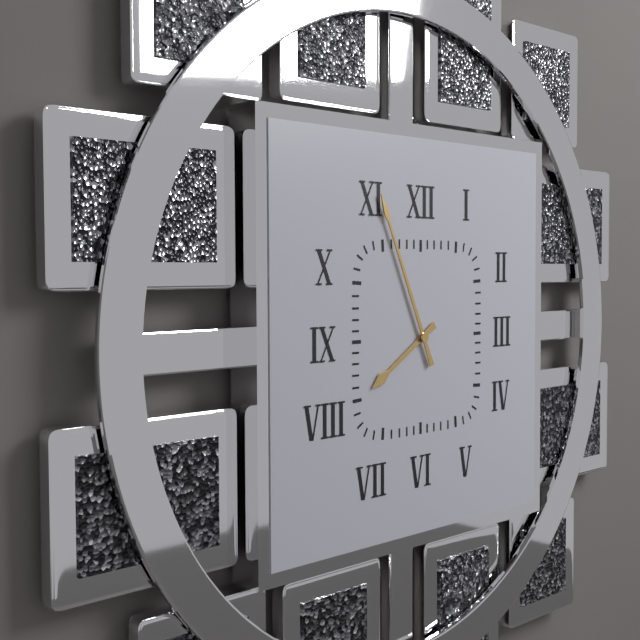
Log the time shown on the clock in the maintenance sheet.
7:56
